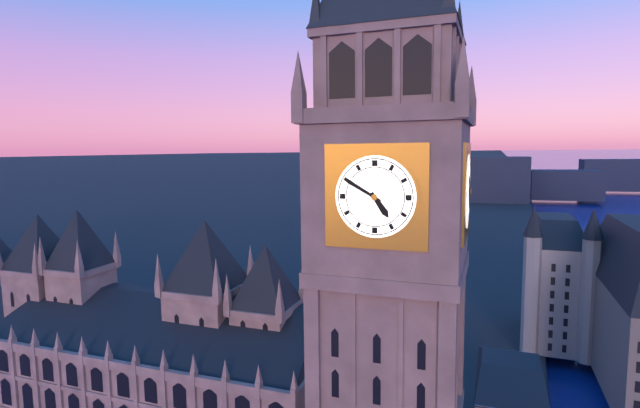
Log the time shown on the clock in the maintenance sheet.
4:50
